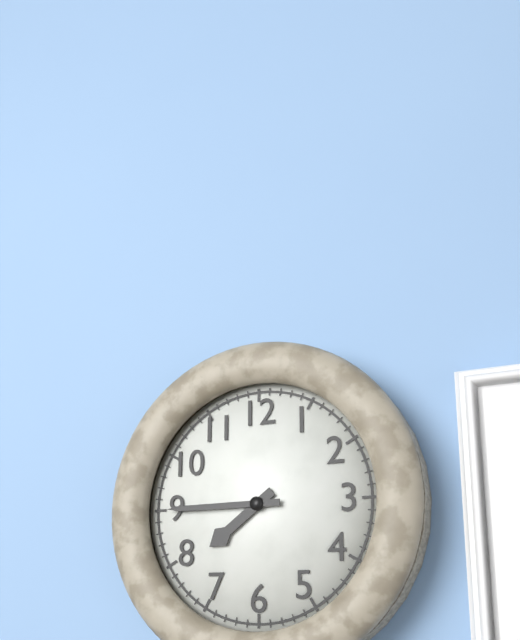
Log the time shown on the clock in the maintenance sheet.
7:45
